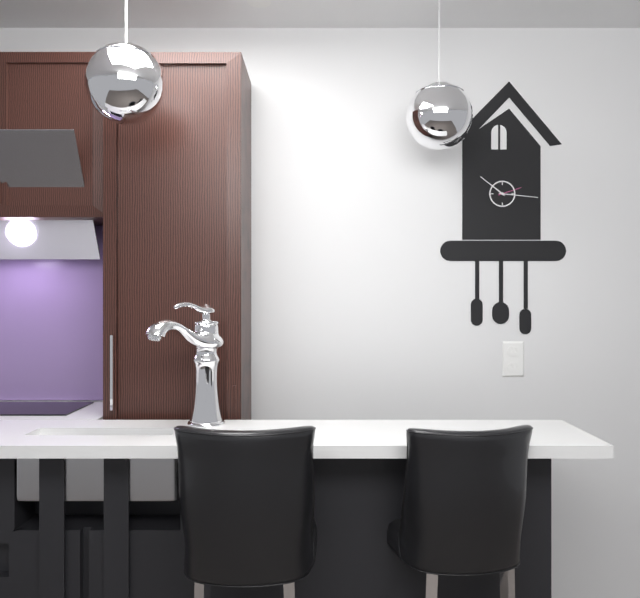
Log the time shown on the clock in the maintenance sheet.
10:16
